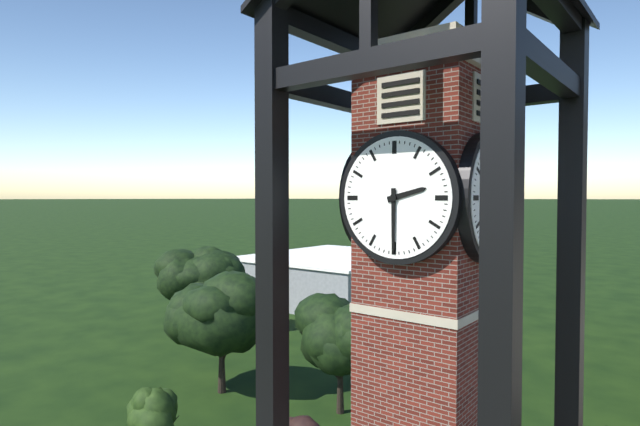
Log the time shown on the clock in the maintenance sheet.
2:30
